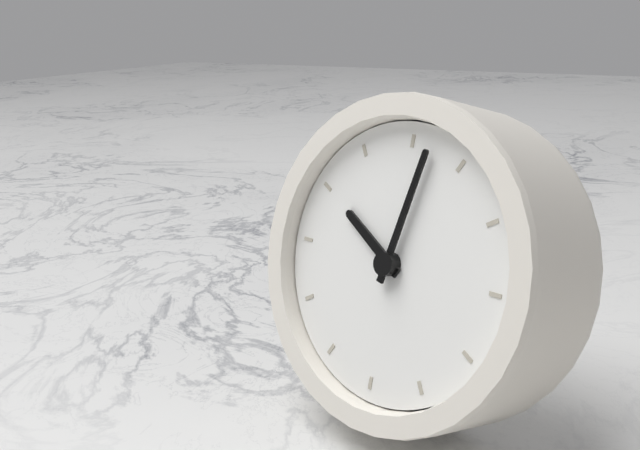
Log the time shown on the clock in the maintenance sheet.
10:02
